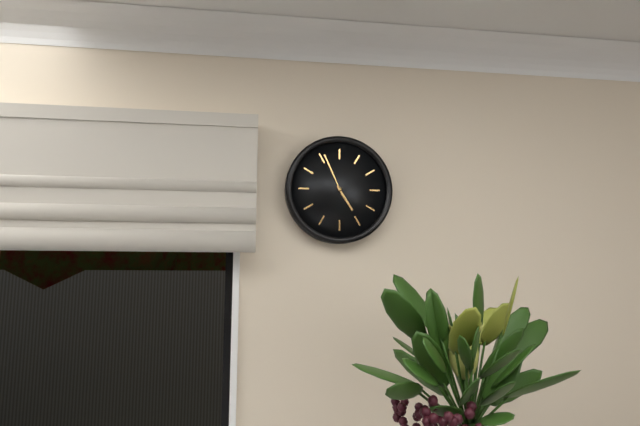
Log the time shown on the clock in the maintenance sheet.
4:56
